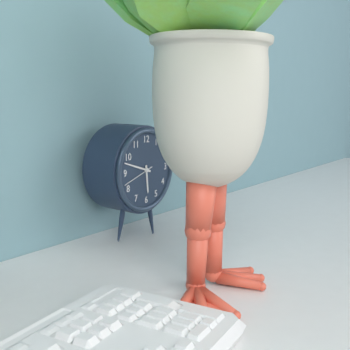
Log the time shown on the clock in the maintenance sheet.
5:48
